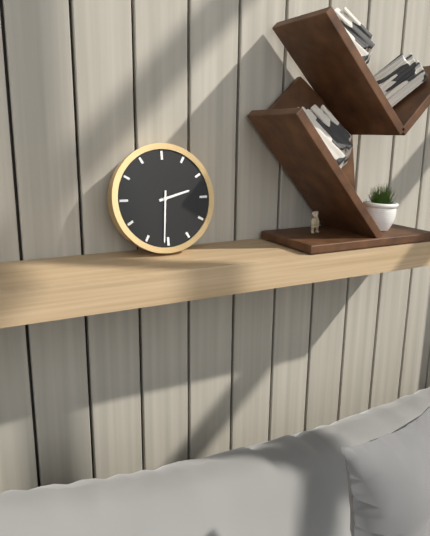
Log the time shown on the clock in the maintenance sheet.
2:31
